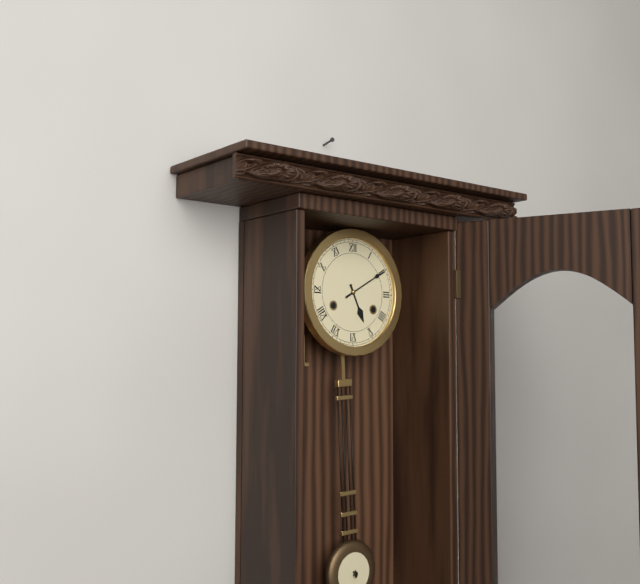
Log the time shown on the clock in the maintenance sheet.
5:10
